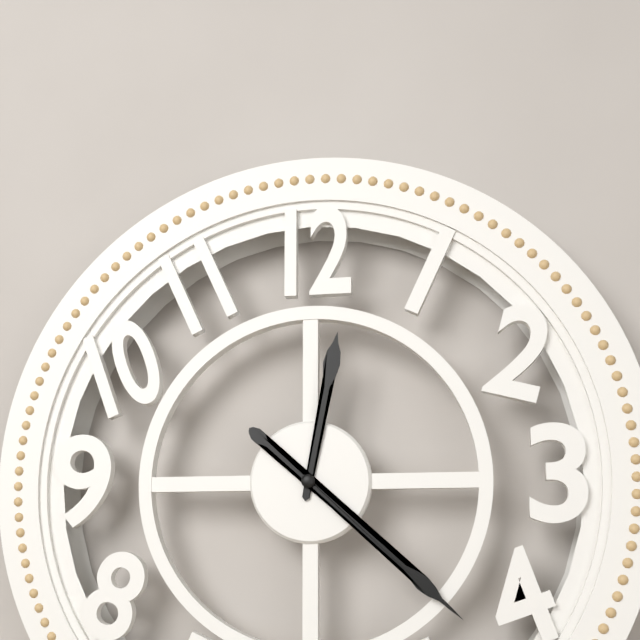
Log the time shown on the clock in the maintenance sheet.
12:22
